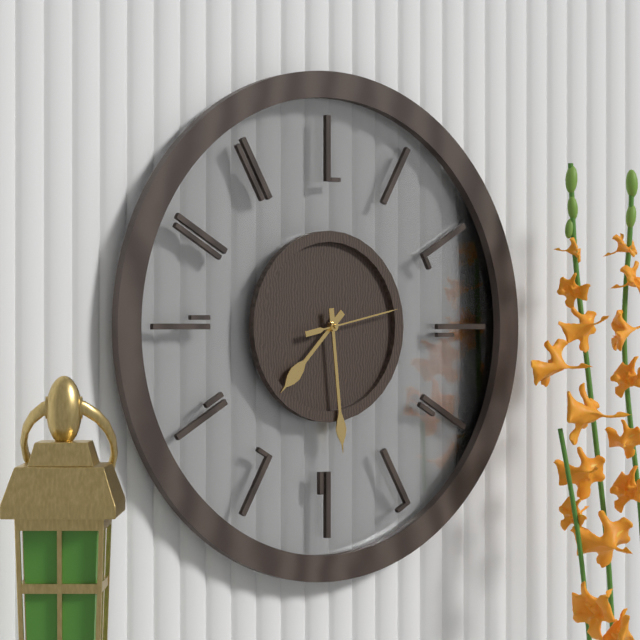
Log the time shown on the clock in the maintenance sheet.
7:29:13
